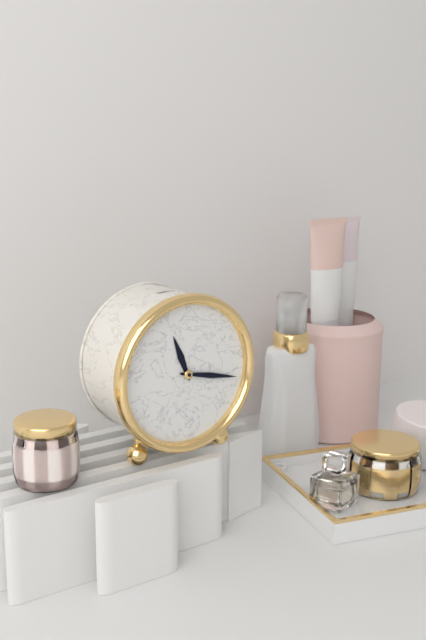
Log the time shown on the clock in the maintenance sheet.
11:17
